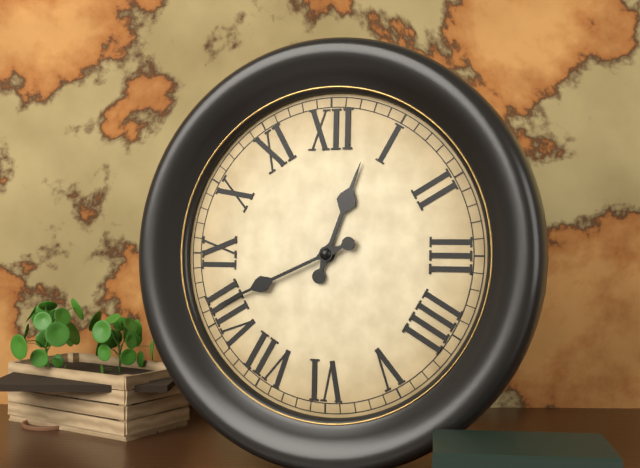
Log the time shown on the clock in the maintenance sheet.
12:41
